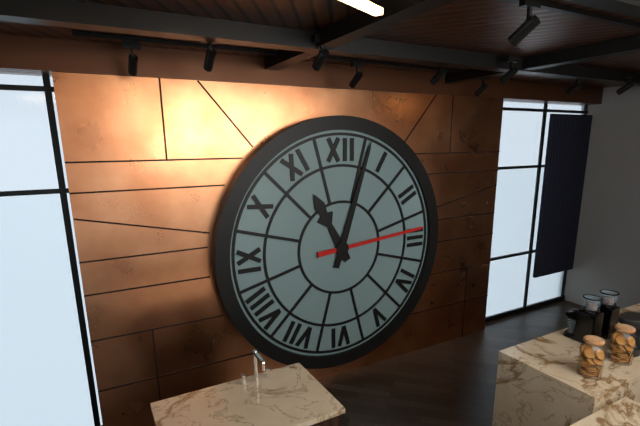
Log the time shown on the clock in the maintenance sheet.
11:03:14
